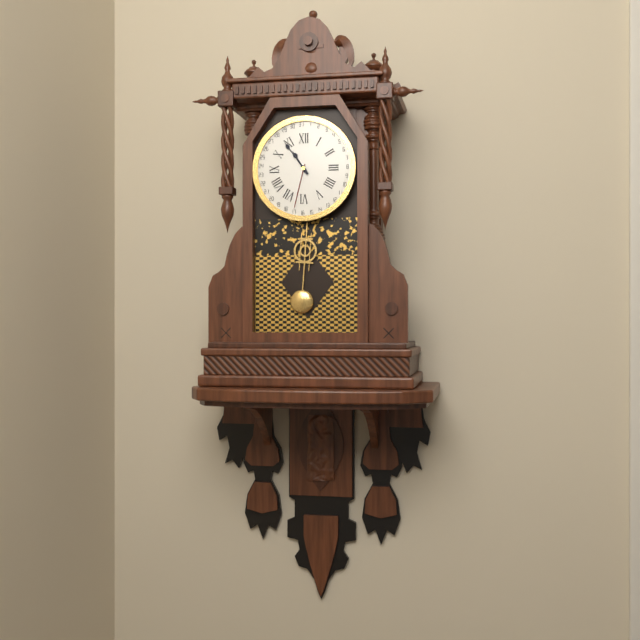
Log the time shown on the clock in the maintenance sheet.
10:54
